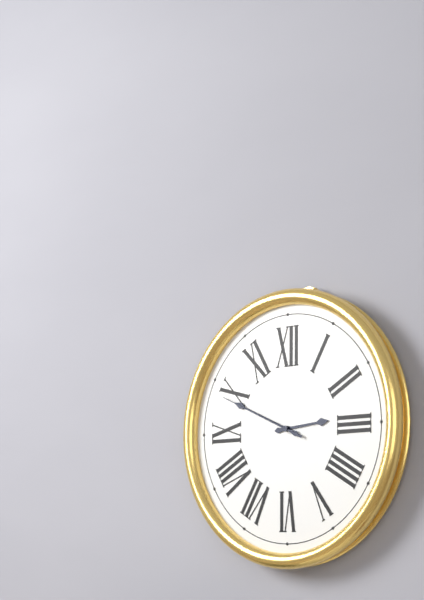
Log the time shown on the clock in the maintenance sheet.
2:49:49
